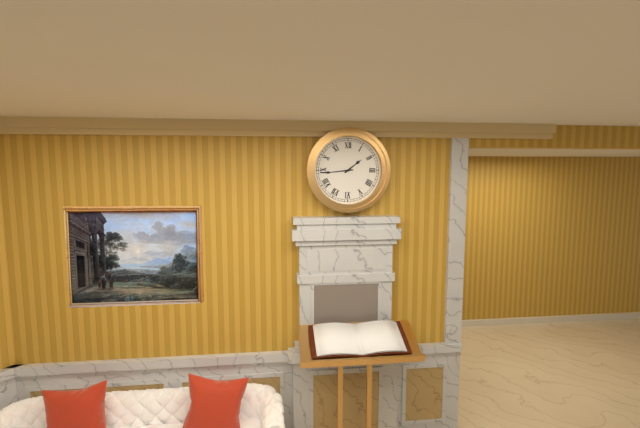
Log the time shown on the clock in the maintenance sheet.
1:44
